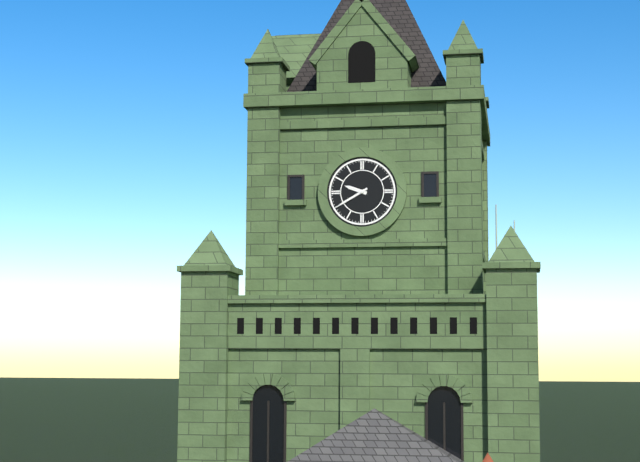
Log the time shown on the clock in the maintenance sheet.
9:40
